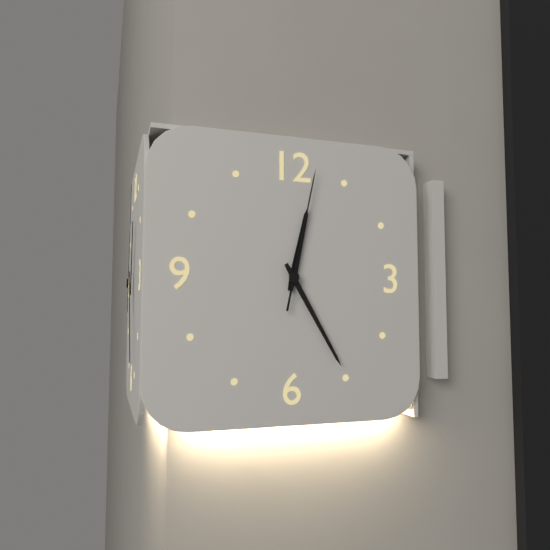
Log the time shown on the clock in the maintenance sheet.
12:25:02
